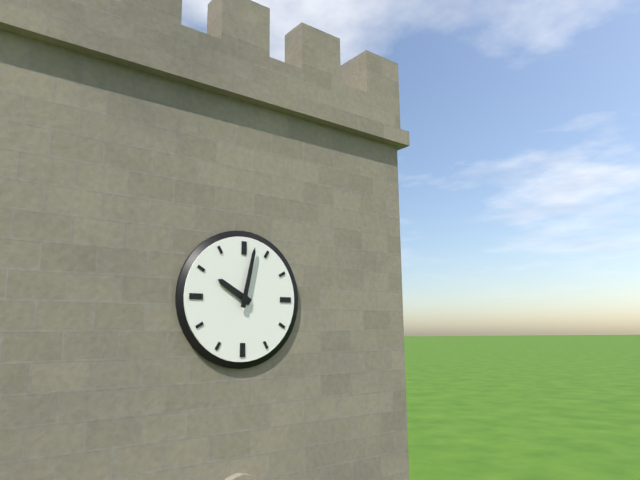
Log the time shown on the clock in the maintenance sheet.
10:02
